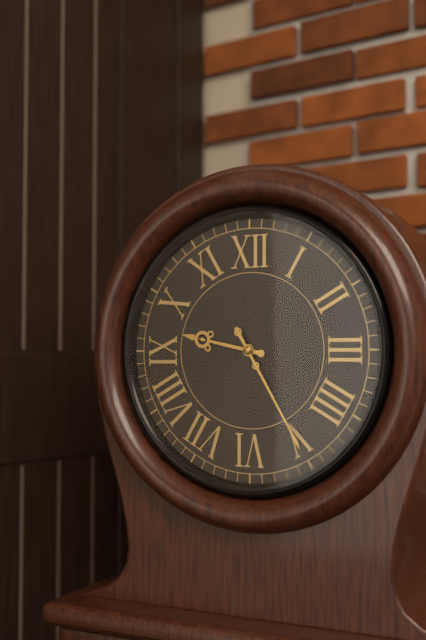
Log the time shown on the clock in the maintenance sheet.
9:25
